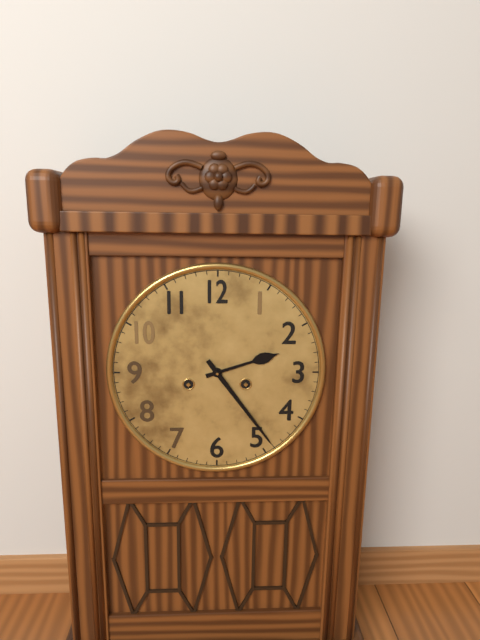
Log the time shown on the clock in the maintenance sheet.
2:24
